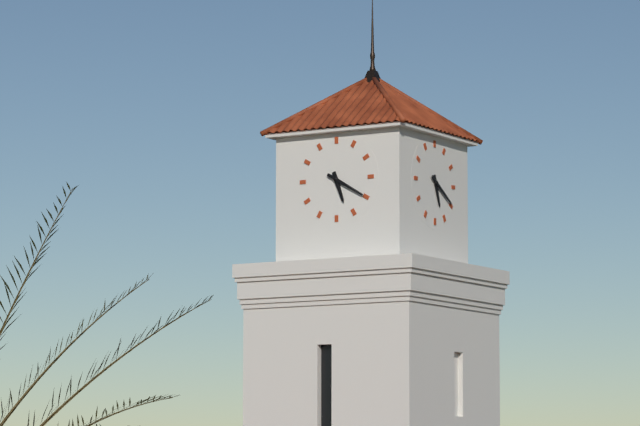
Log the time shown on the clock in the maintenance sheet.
5:20
